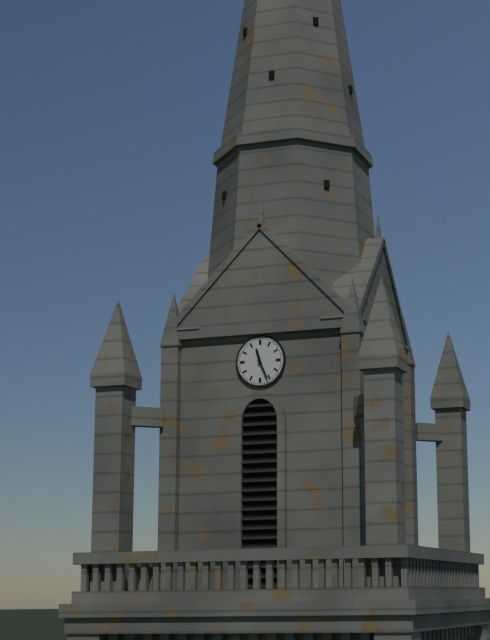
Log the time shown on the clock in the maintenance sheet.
11:26
